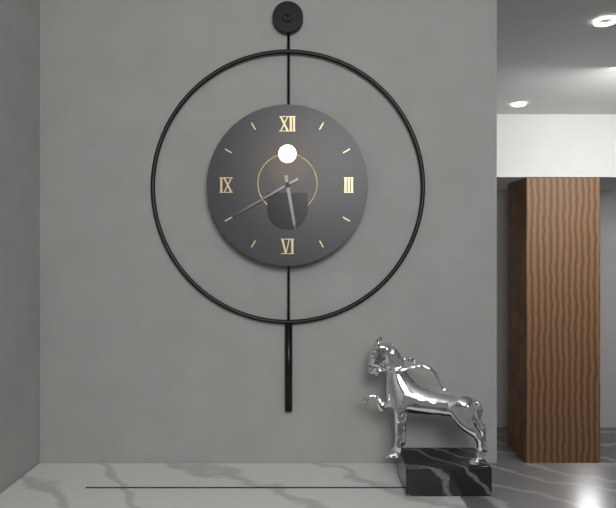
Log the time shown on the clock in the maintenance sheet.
5:40
